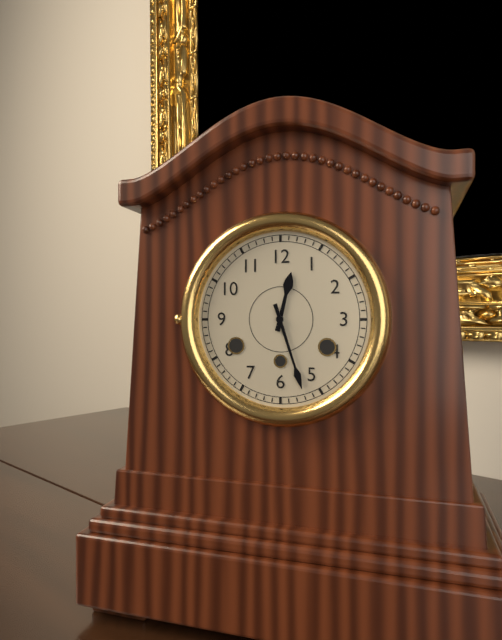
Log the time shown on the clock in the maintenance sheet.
12:27
